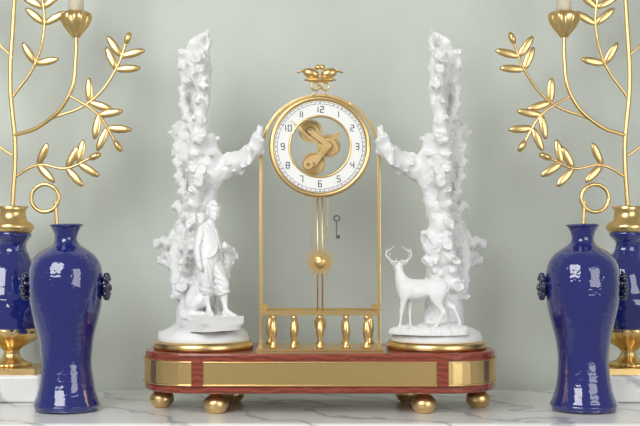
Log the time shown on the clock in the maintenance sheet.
1:52
